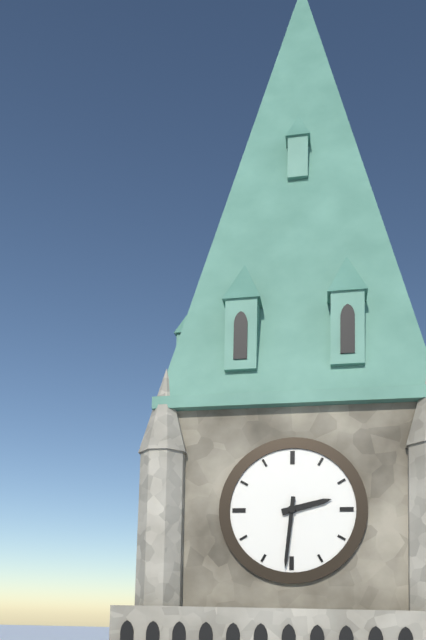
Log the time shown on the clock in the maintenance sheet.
2:31
